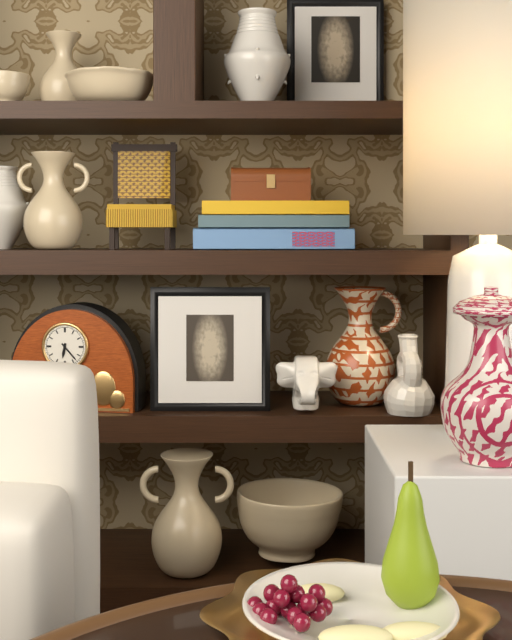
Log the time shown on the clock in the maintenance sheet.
6:23
